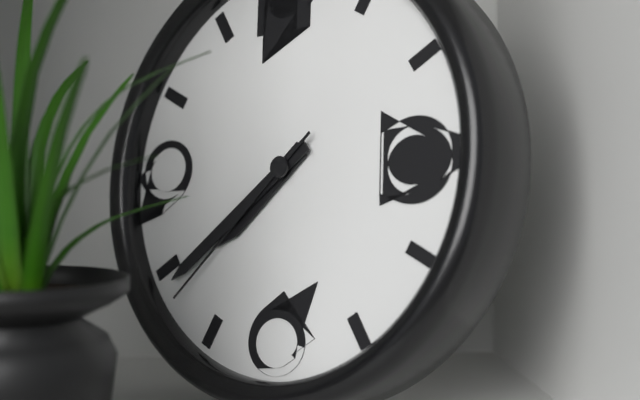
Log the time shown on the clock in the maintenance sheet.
7:39:38
